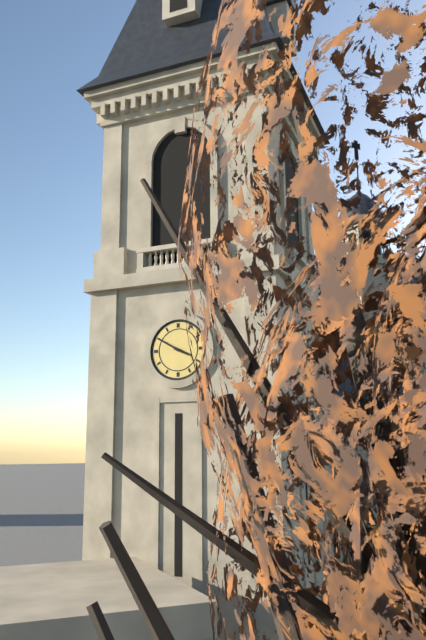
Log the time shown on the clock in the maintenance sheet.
3:50
